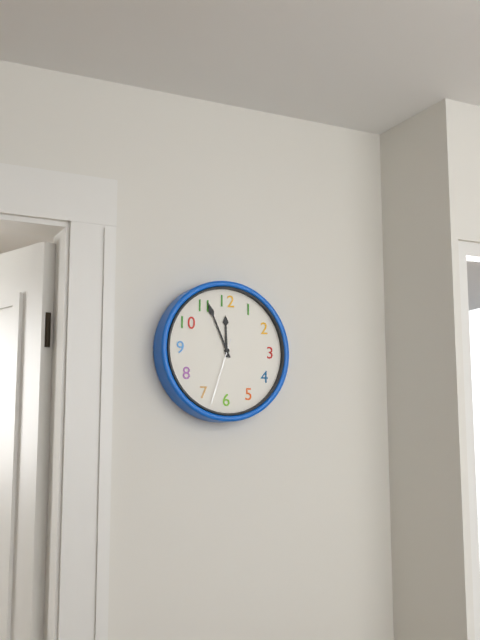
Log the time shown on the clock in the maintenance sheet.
11:56:33
